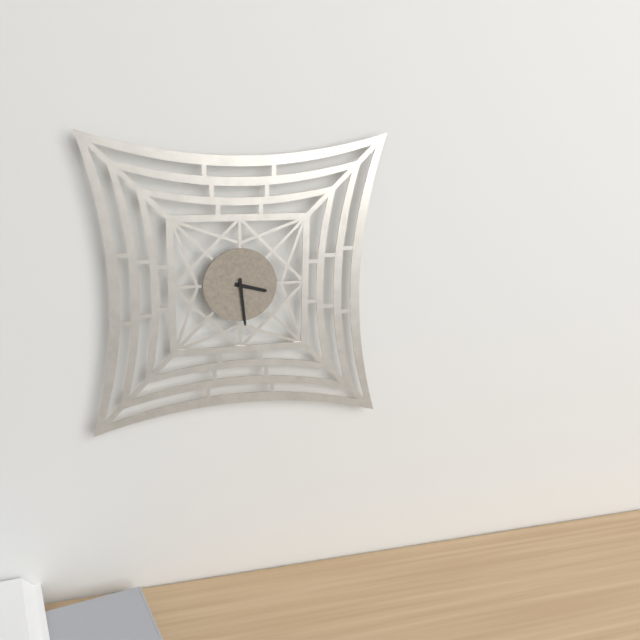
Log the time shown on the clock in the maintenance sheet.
3:29
